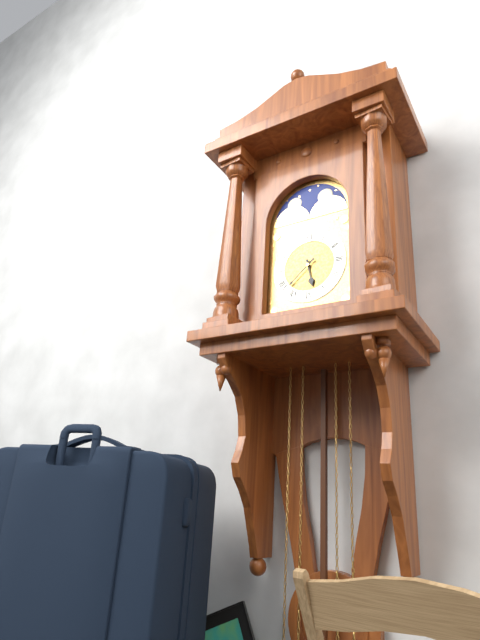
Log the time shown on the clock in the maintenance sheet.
5:38
